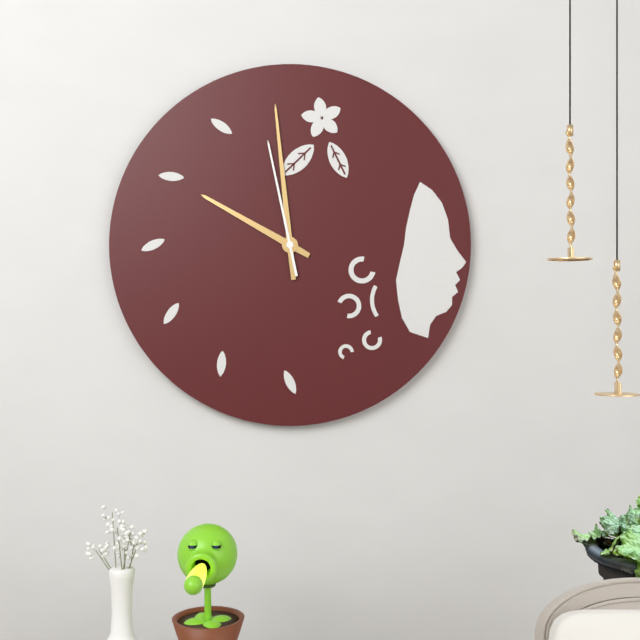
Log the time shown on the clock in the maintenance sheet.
9:59:58
